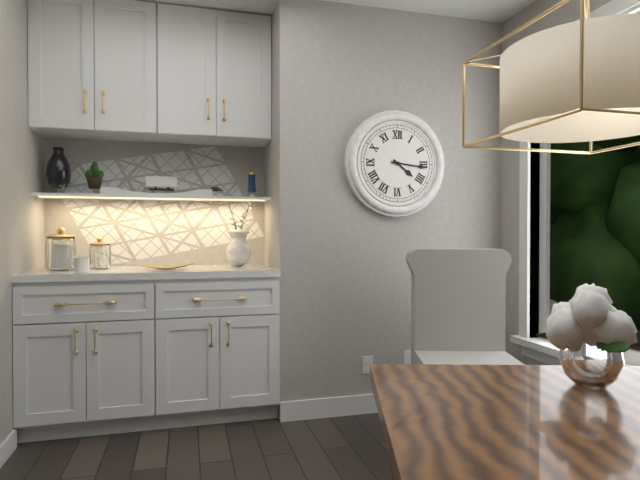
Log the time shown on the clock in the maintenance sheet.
4:16
